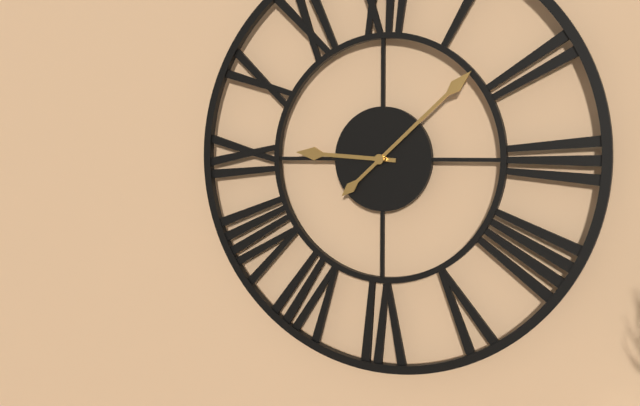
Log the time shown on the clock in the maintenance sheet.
9:08
